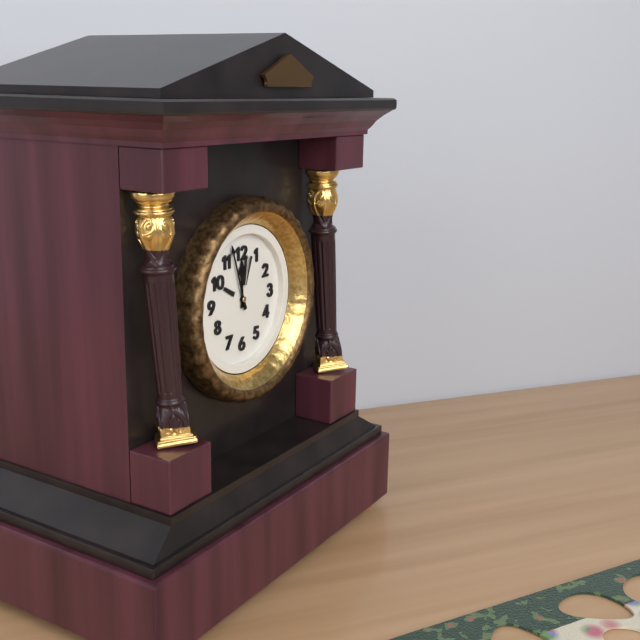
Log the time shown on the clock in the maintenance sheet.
11:57
